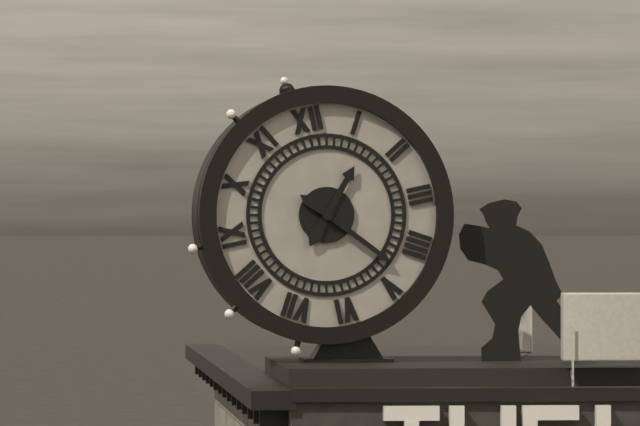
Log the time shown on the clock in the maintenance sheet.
1:23
